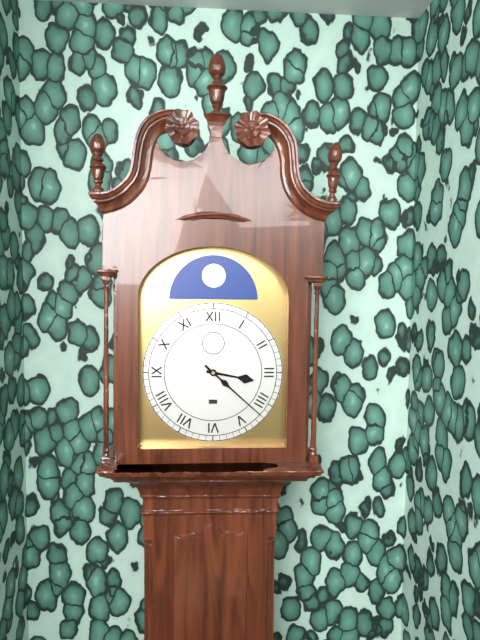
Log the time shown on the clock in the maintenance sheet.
3:22
